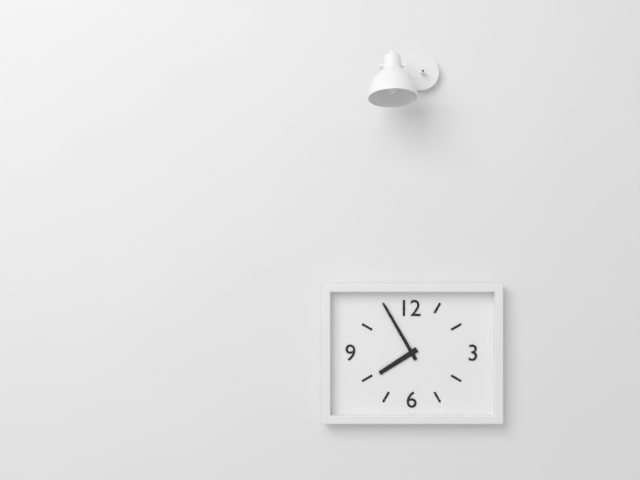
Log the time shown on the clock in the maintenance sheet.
7:55
